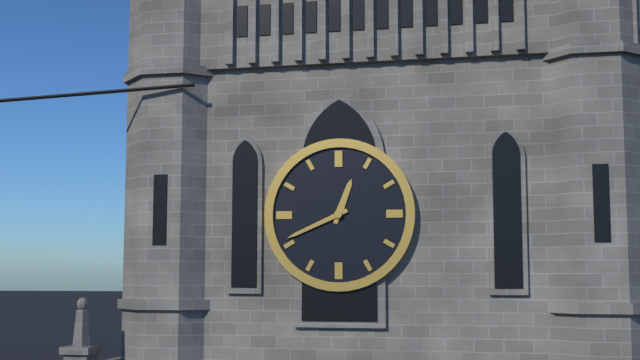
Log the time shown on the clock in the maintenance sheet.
12:41
